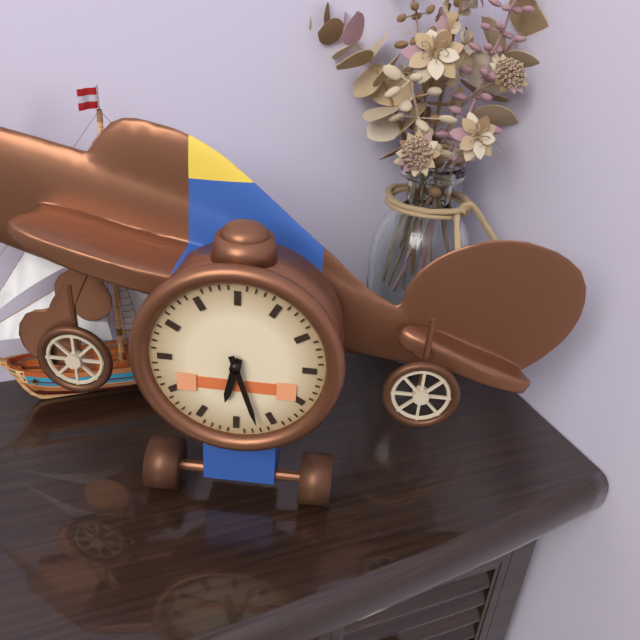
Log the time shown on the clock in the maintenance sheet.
6:27
